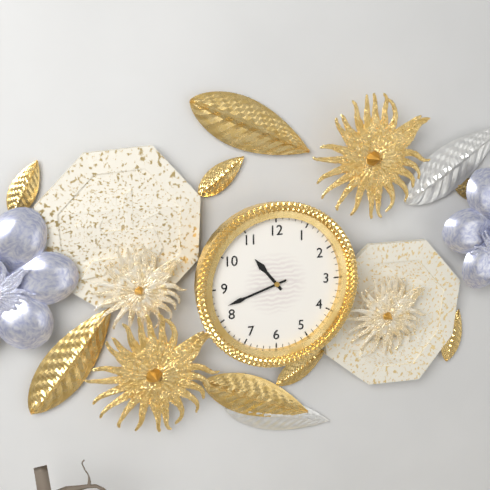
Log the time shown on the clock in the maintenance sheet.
10:42
